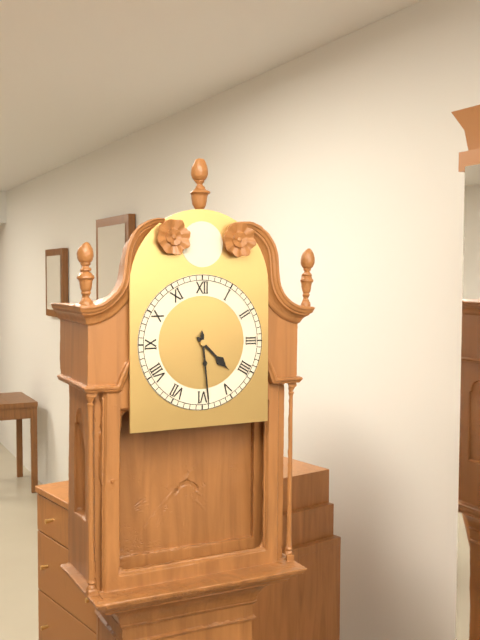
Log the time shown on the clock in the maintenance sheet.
4:29
